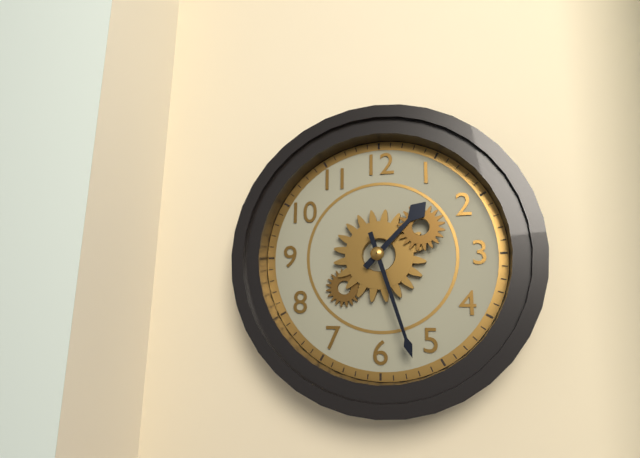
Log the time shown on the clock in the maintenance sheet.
1:27
